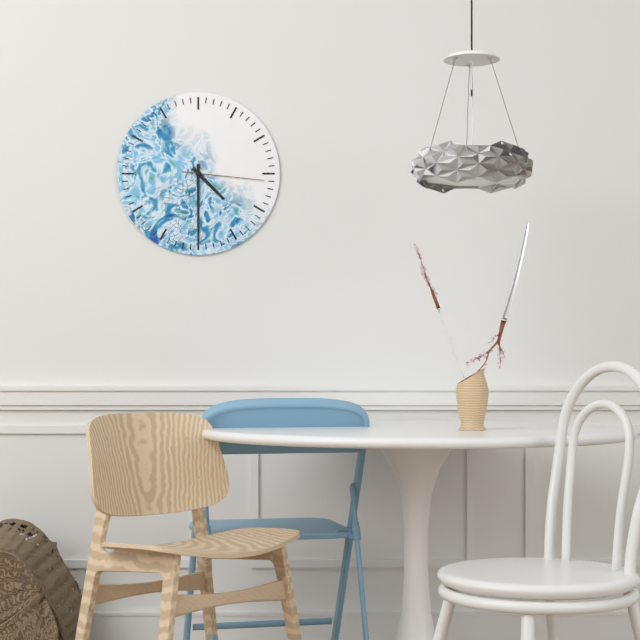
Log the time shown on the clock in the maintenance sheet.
4:30:16
